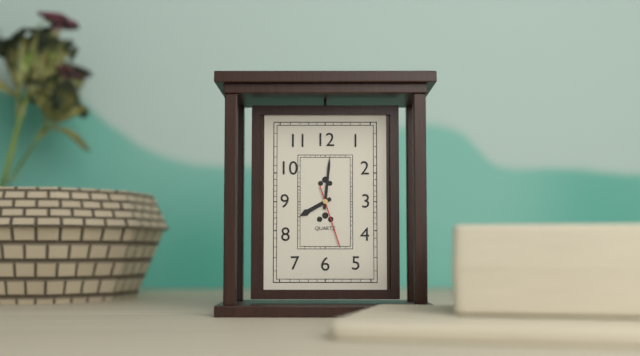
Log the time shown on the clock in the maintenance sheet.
8:01:27
